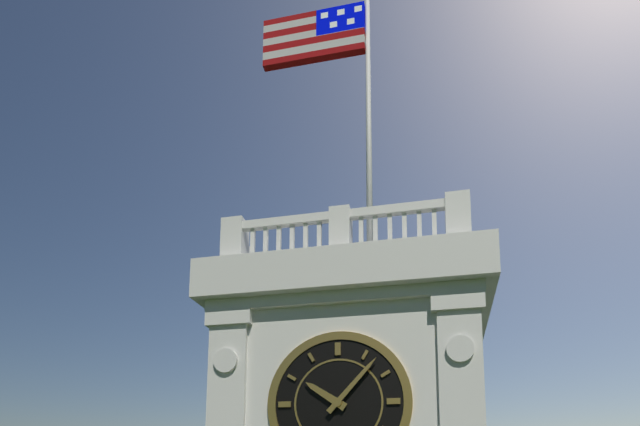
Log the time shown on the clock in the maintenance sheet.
10:07
